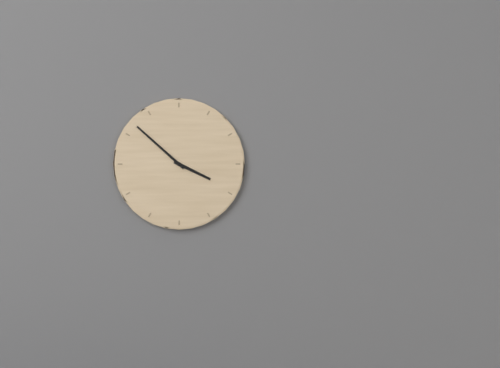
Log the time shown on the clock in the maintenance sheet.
3:52
